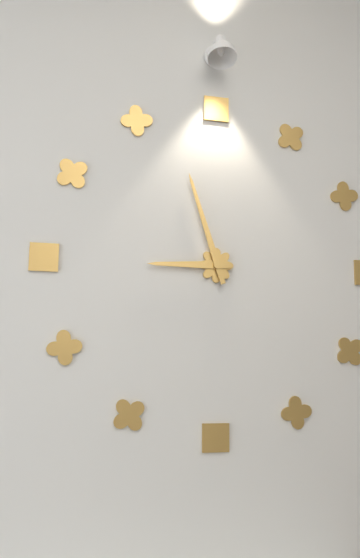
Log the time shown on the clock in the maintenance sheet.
8:57
